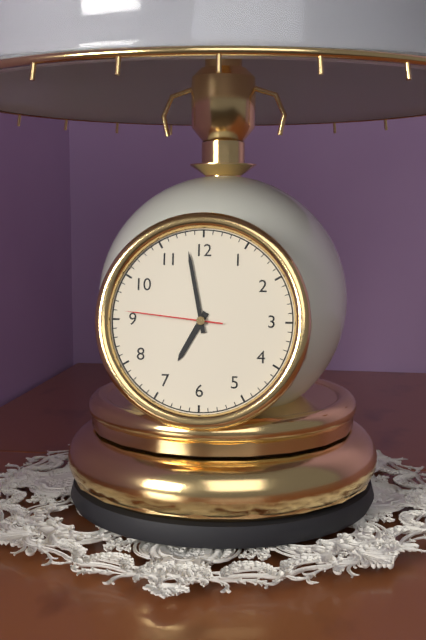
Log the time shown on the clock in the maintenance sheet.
6:58:46
